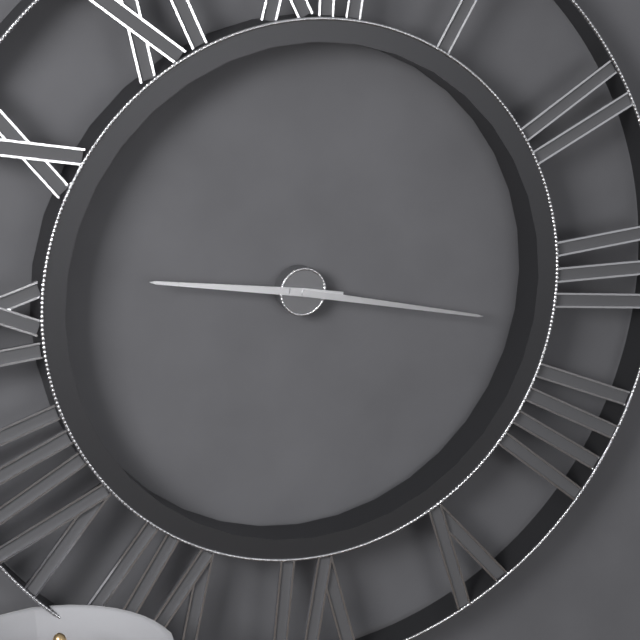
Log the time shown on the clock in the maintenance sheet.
9:17
